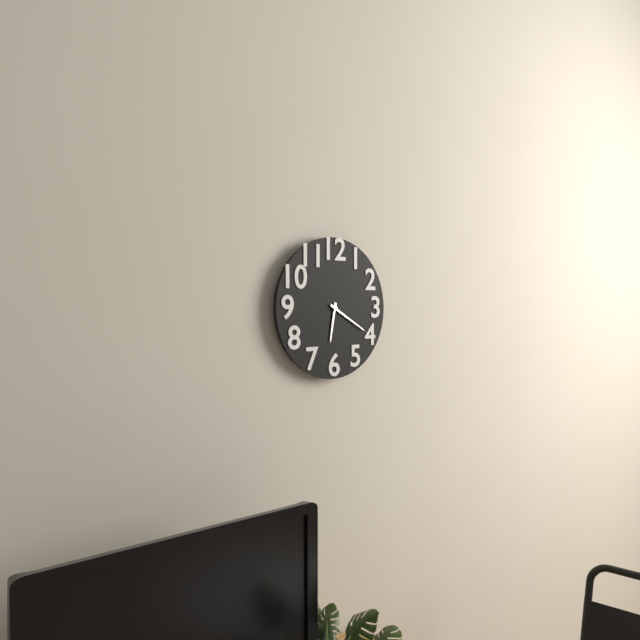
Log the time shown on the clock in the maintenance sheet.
6:20
